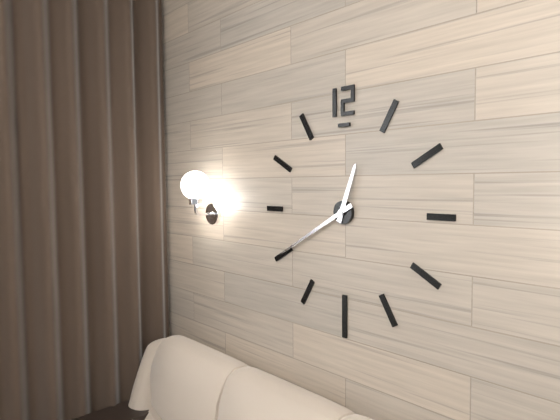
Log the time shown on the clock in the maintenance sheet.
12:40
